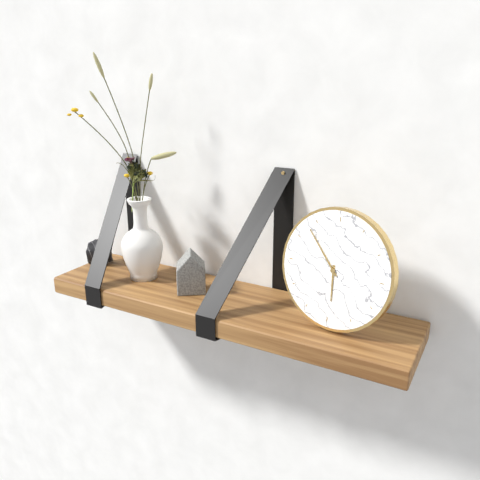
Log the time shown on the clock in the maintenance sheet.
5:53
